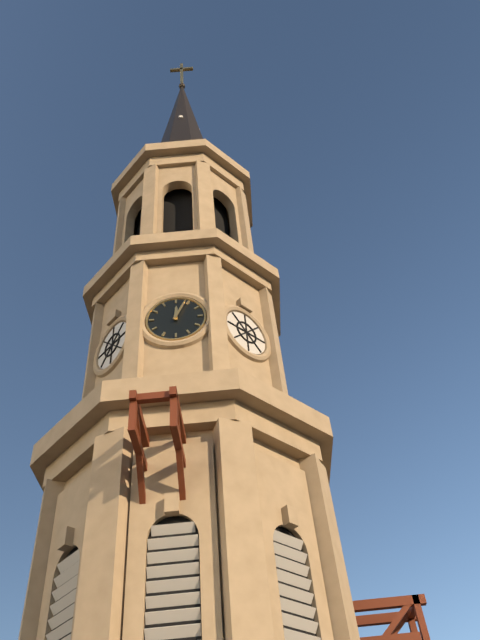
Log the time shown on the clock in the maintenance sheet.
12:04
